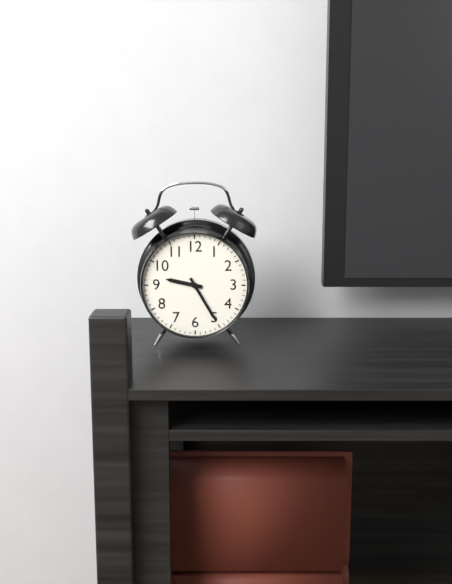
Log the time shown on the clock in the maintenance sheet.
9:25
